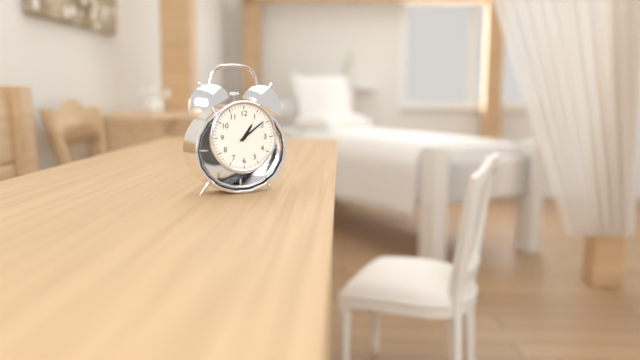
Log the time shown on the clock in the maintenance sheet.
1:09
